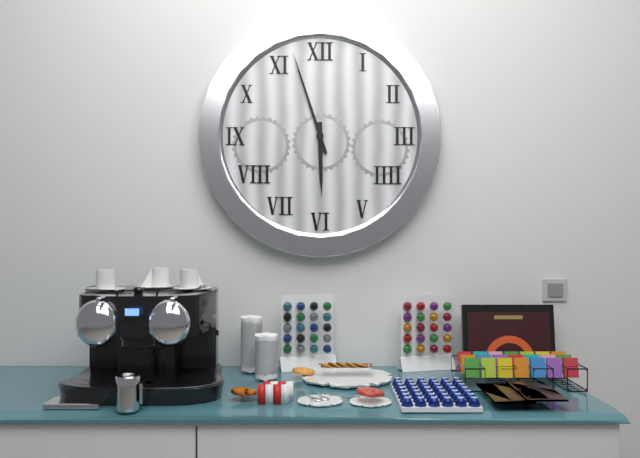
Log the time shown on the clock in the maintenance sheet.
5:57
